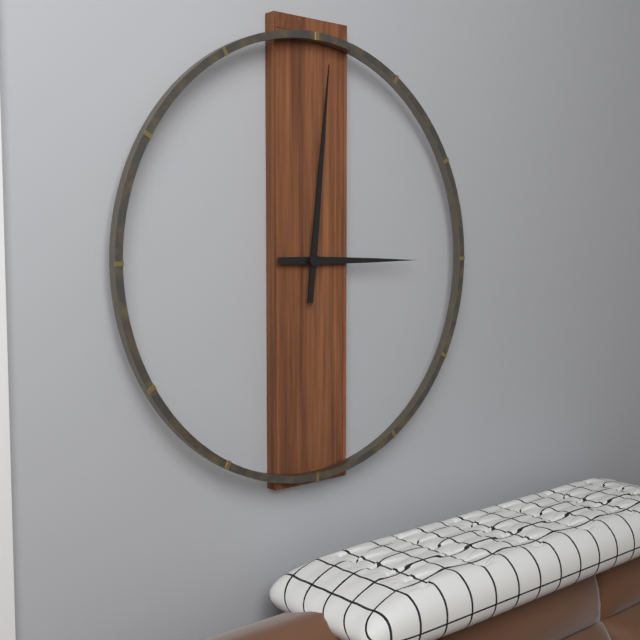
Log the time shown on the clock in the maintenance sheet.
3:01
